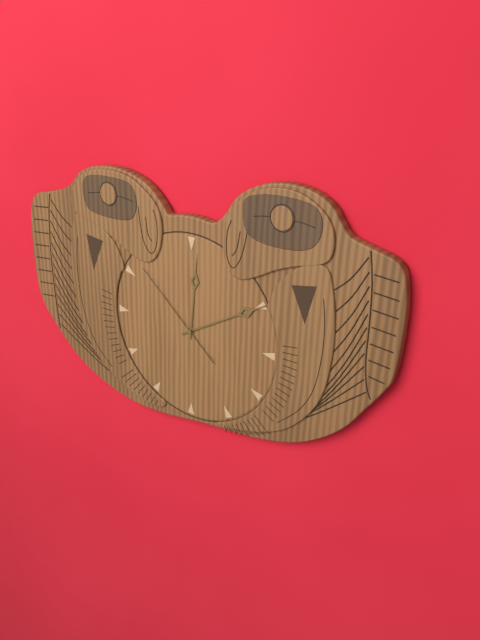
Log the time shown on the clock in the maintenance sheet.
12:10:52
